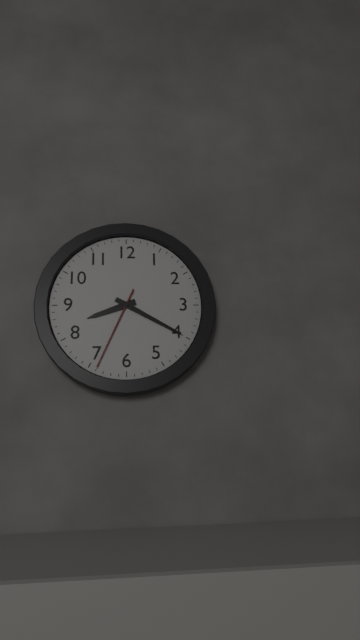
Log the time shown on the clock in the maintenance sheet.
8:20:34
